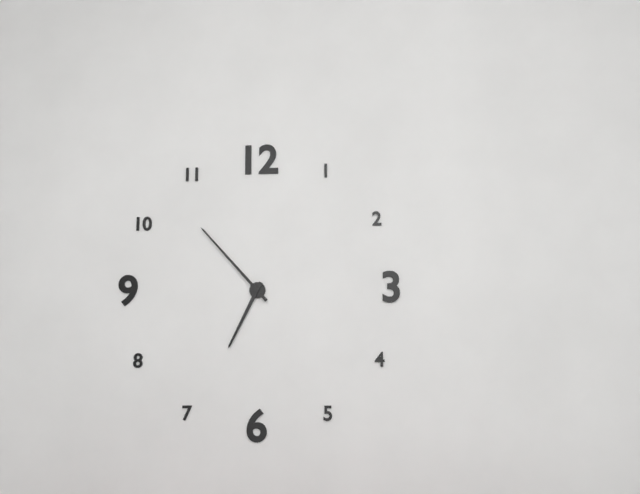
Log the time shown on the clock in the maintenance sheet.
6:53
